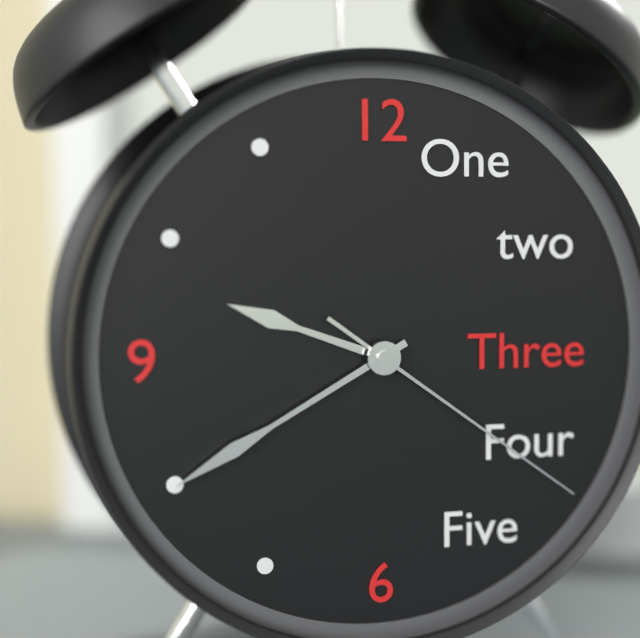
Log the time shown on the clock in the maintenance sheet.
9:40:21
